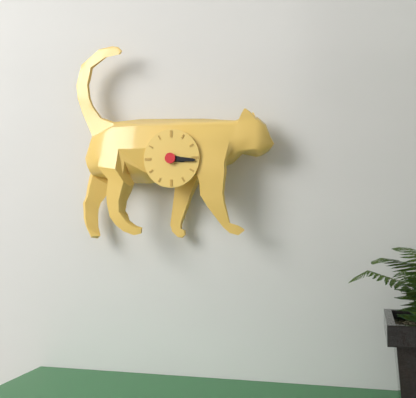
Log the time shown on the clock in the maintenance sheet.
3:16
